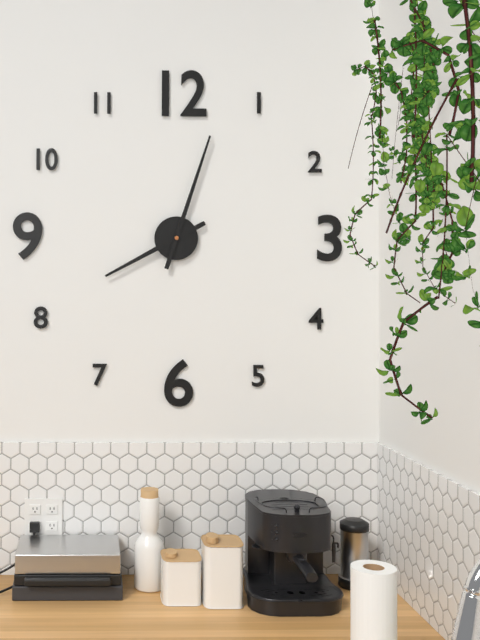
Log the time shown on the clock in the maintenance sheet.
8:03
